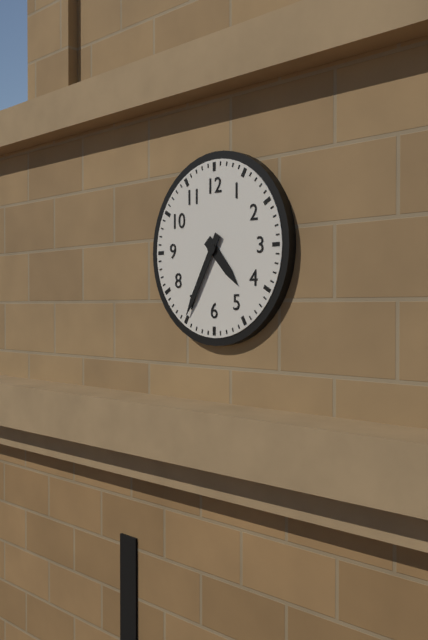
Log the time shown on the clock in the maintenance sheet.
4:35
